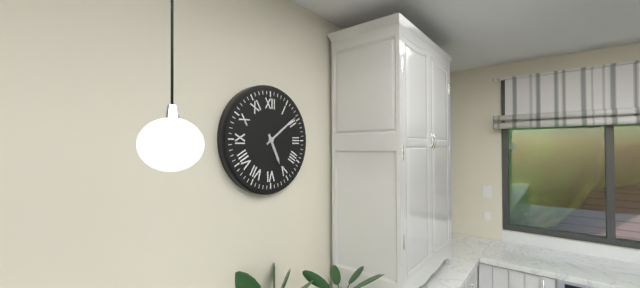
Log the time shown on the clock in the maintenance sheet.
5:09
